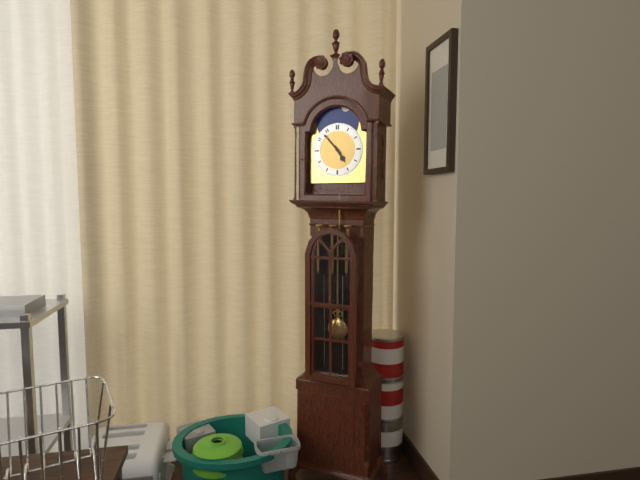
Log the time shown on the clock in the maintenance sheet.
4:53
